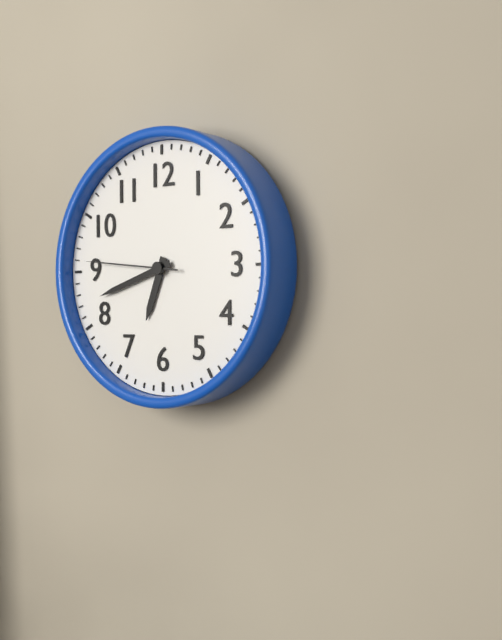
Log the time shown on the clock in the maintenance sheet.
6:42:46
